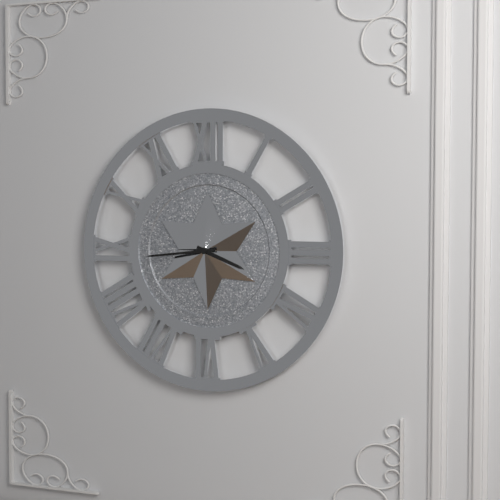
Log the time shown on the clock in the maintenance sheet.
3:44
